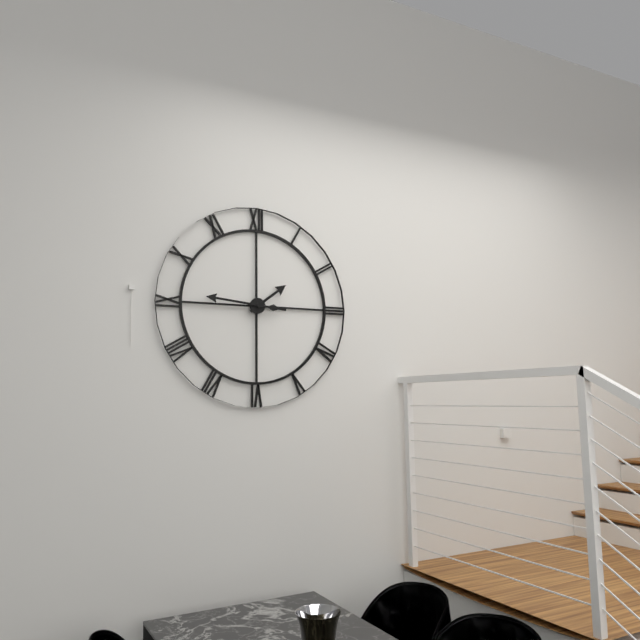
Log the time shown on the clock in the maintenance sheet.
1:46
